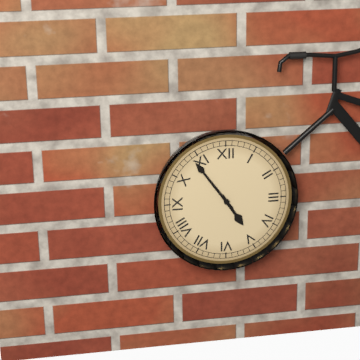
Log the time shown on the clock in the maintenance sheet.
4:54
